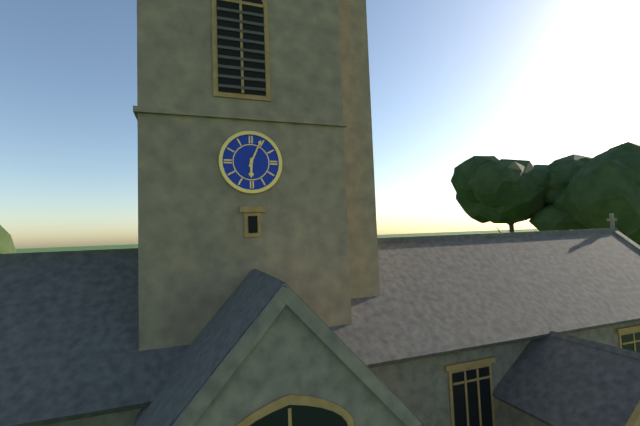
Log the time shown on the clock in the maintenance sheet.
6:04
